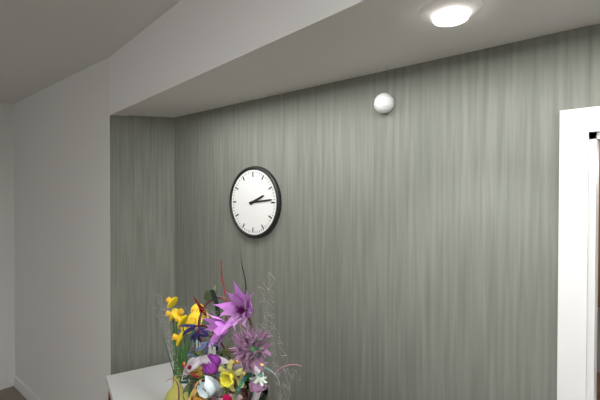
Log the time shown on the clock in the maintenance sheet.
2:14
